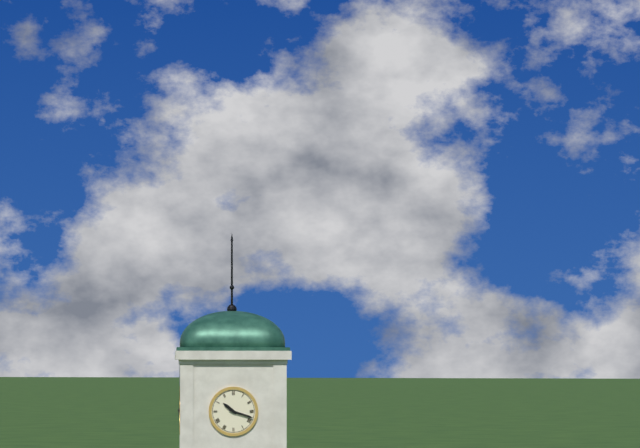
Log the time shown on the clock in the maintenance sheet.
10:18
